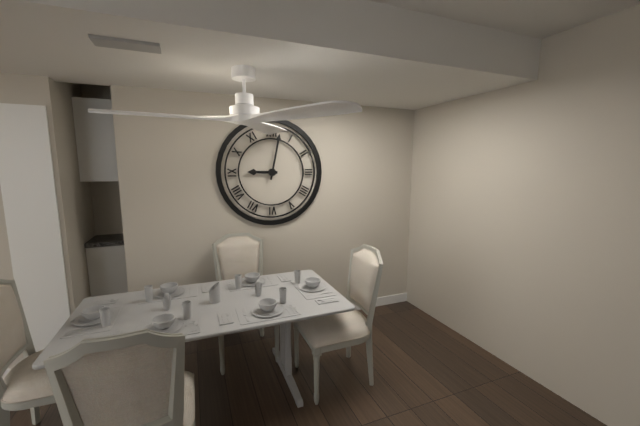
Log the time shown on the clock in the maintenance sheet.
9:02
